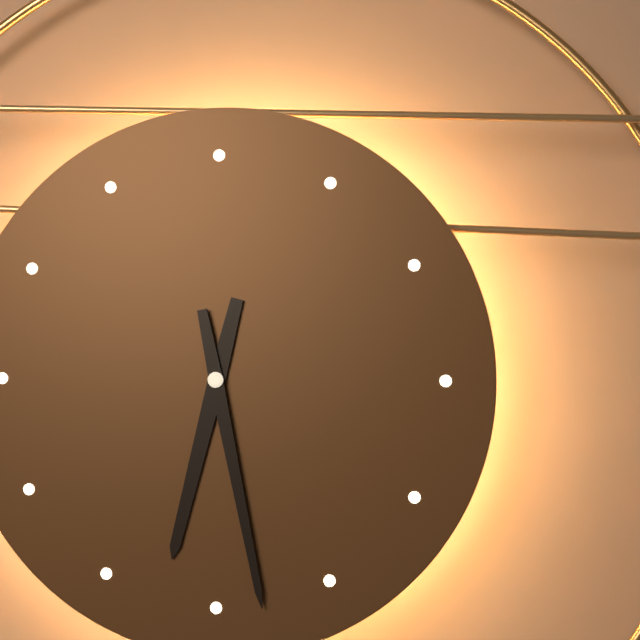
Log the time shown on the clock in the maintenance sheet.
6:28
